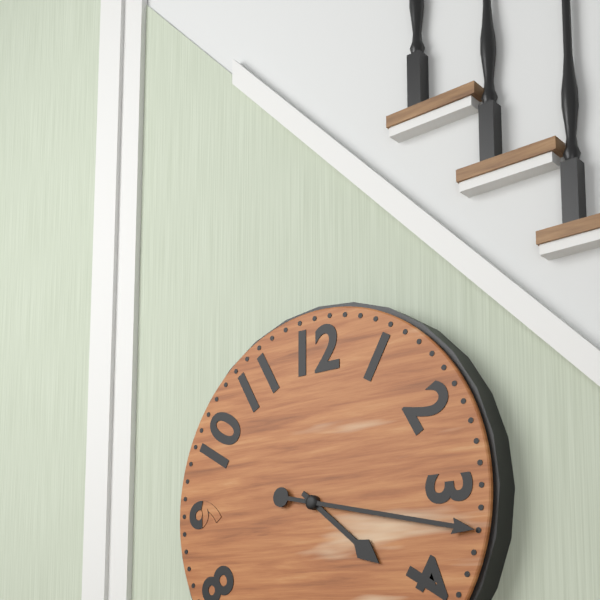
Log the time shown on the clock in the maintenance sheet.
4:17
